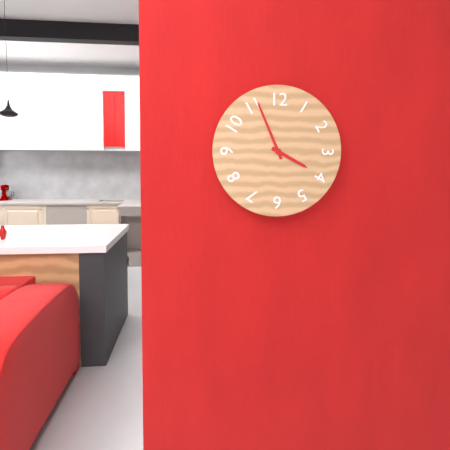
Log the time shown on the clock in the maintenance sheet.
3:56
